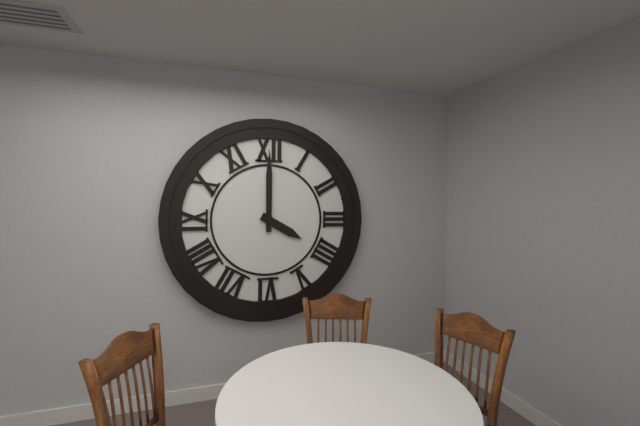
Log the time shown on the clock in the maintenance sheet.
4:00
